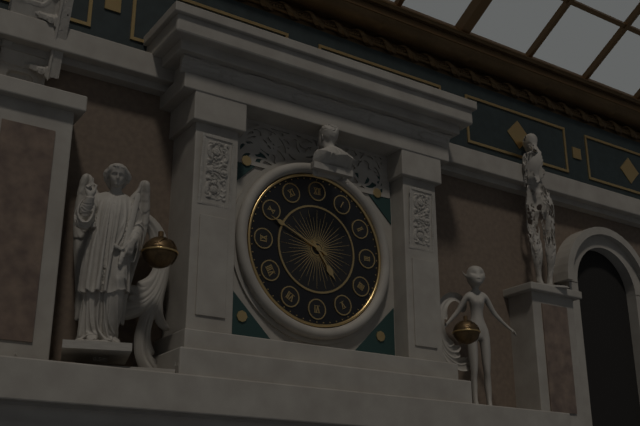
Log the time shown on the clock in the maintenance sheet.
4:49
